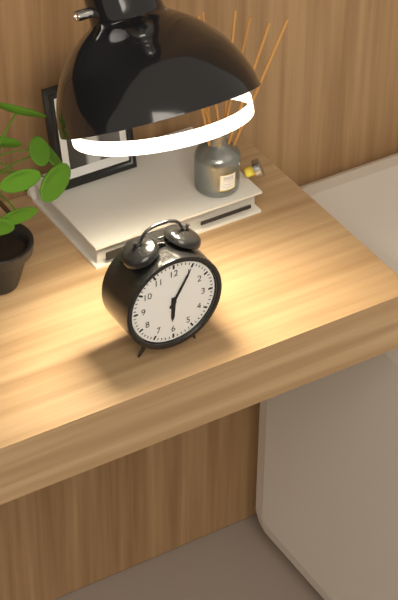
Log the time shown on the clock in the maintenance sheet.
6:05
